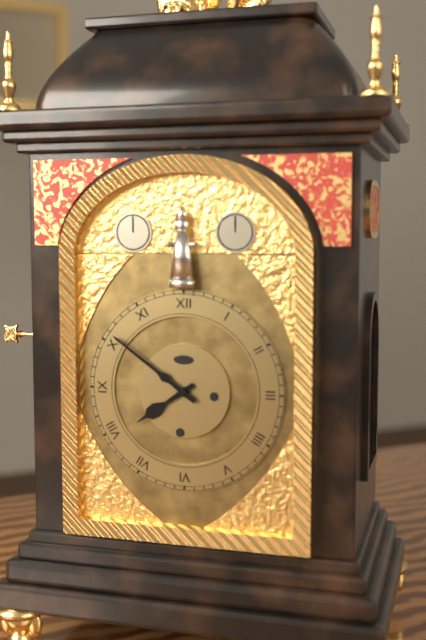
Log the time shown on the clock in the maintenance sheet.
7:51
